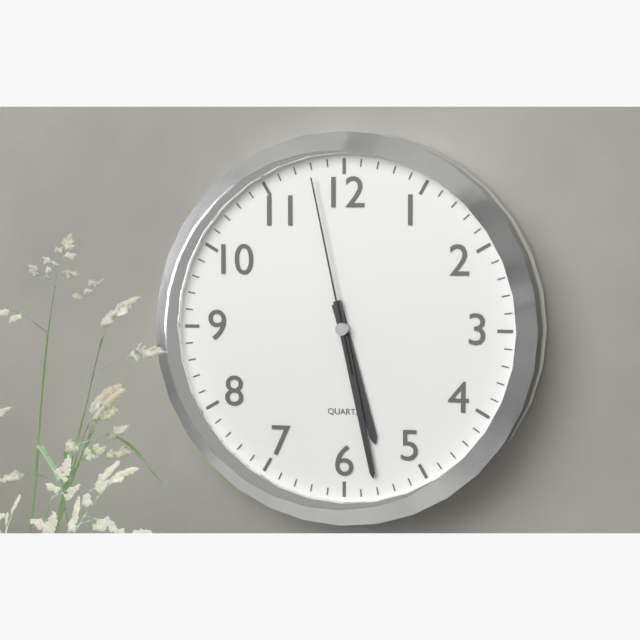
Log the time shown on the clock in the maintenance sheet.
5:28:58
